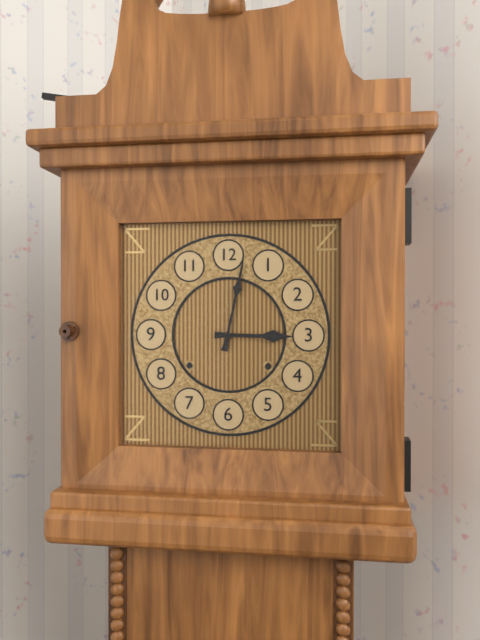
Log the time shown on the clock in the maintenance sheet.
3:02
